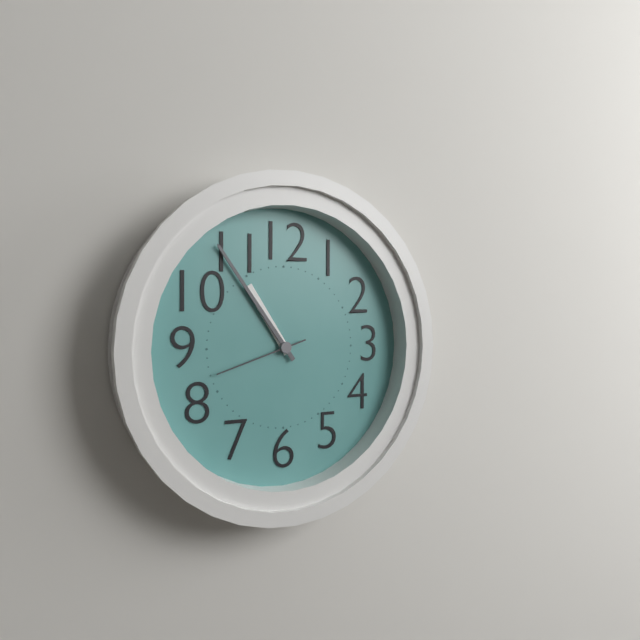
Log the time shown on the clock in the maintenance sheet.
10:54:42
